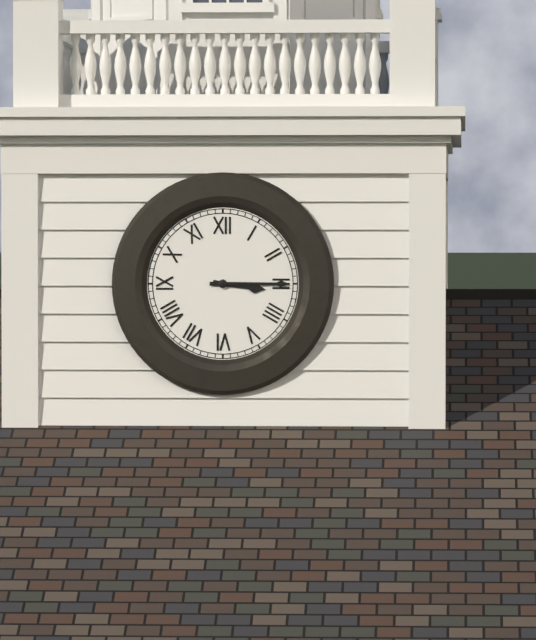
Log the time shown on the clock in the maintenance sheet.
3:15
